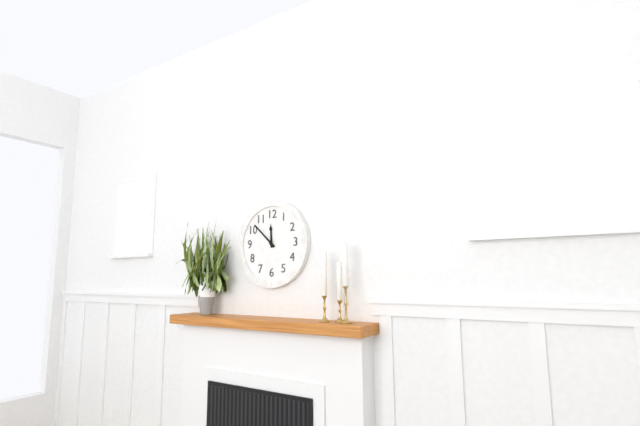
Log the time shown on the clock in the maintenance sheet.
11:52
